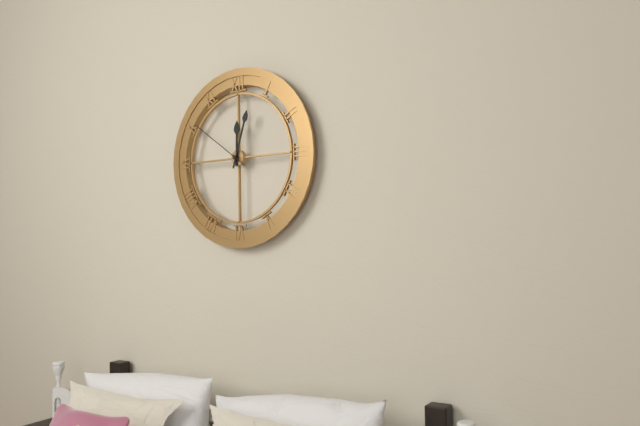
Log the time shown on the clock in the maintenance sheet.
12:03:51
